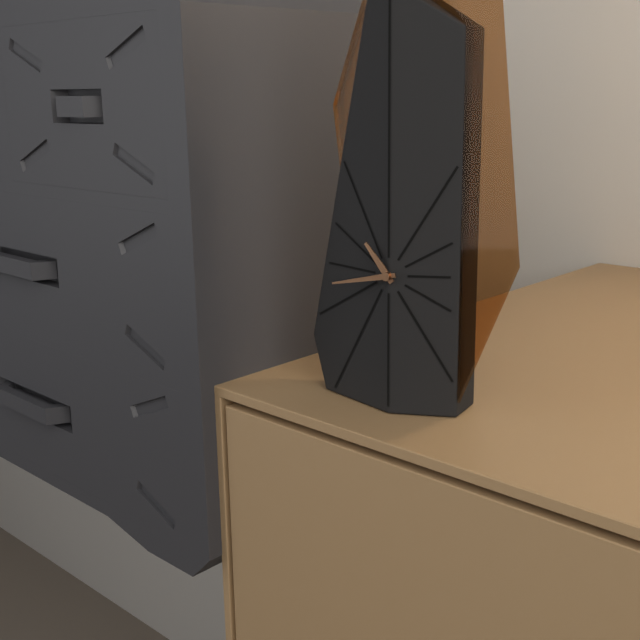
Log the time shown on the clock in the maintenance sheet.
10:43
